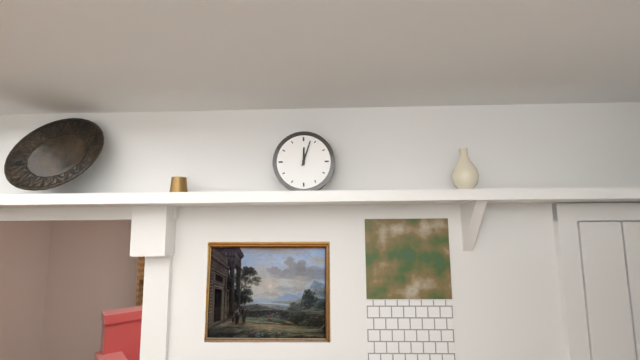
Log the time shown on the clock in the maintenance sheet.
12:03
